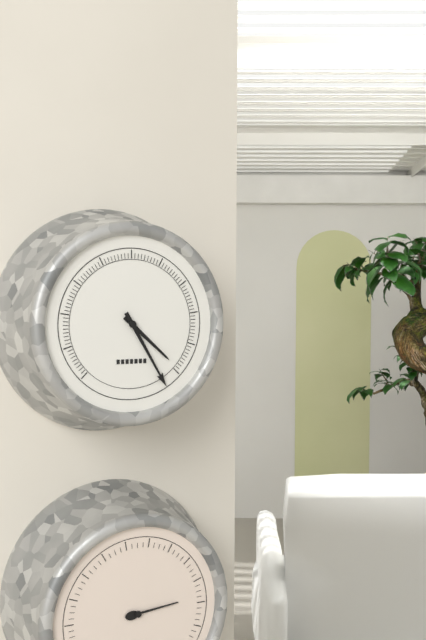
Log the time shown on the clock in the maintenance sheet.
4:25
